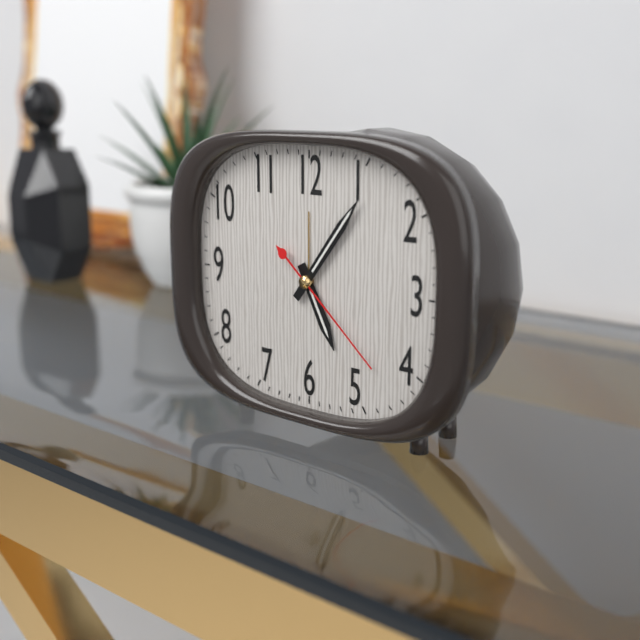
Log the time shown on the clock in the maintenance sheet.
5:06:22
